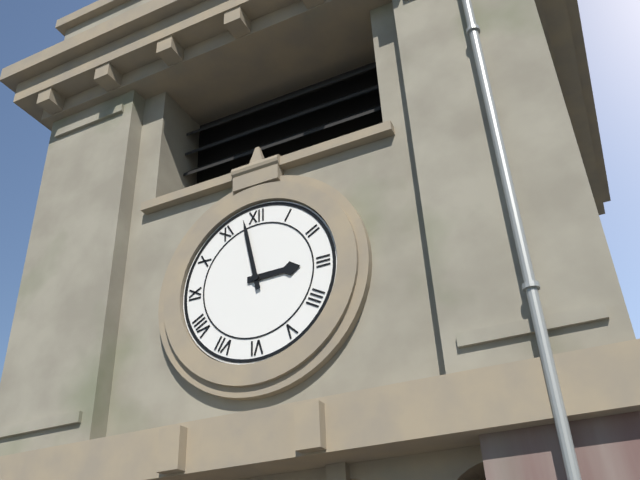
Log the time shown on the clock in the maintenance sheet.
2:58
